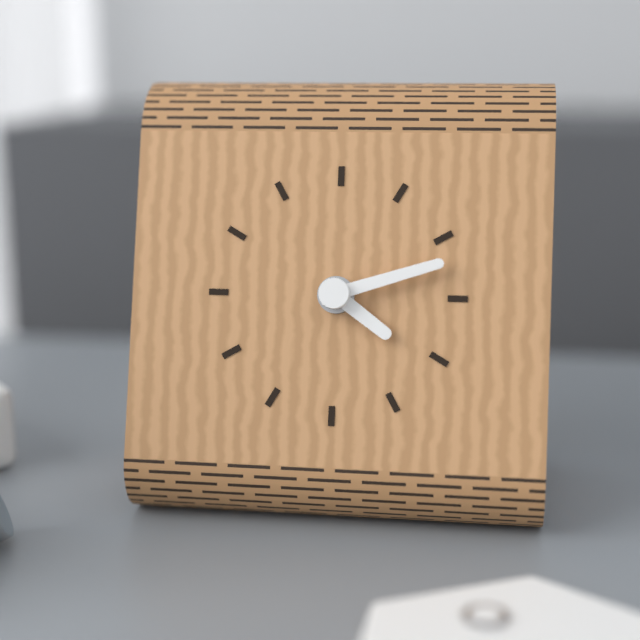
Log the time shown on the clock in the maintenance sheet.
4:12
